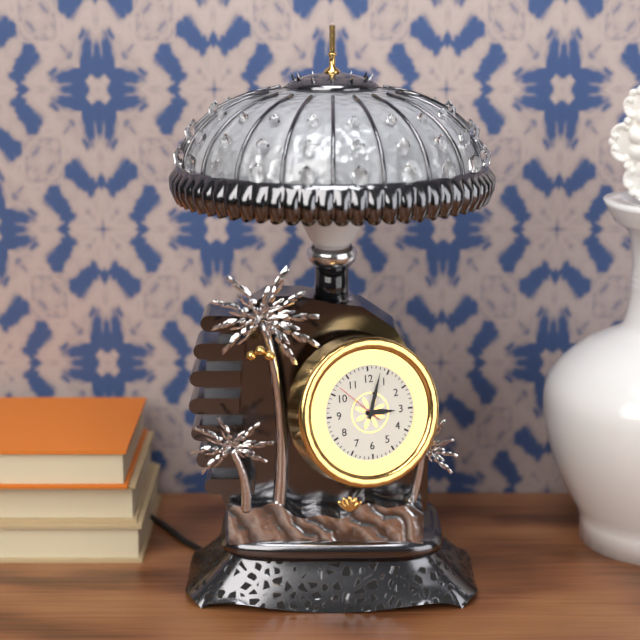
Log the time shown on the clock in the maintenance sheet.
3:03
